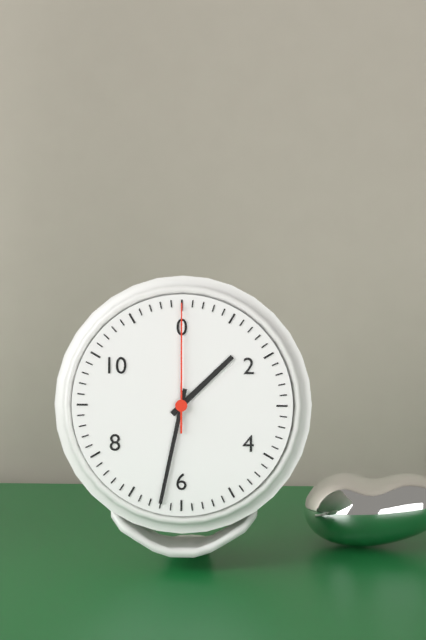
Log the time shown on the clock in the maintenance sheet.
1:32:00
